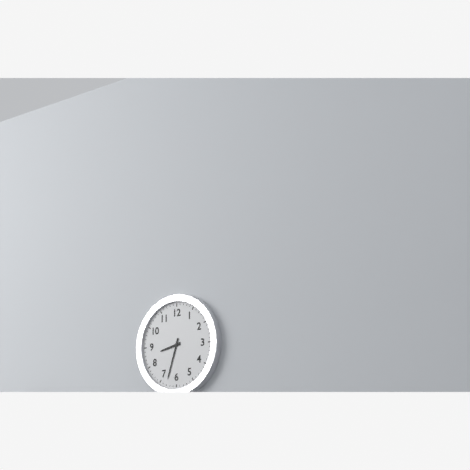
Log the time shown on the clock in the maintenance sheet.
8:33
